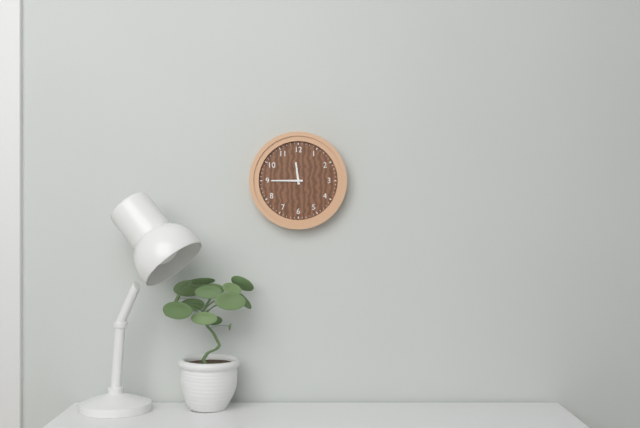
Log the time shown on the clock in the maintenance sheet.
11:45
